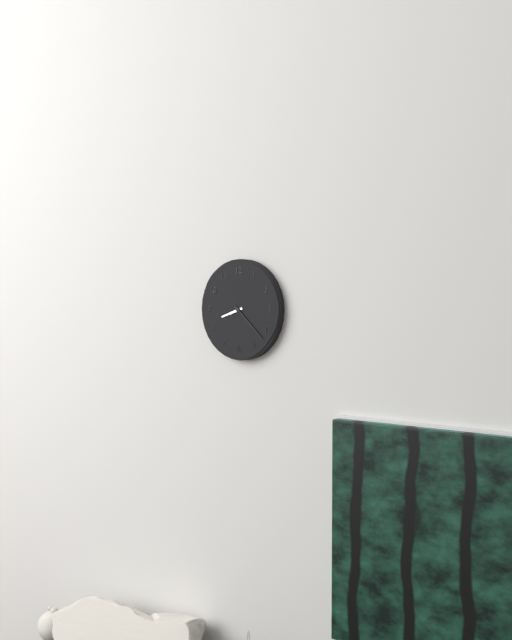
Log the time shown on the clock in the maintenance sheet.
8:22
